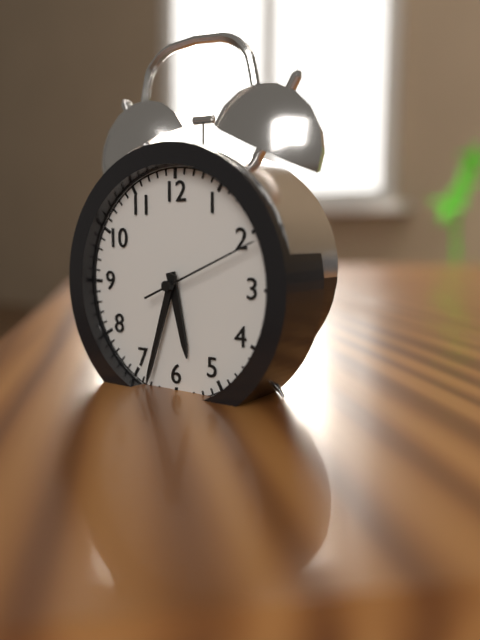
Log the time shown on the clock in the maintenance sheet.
5:33:11
